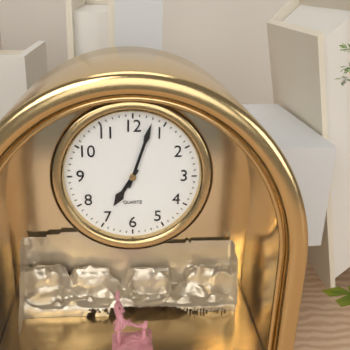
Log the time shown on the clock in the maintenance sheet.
7:03
